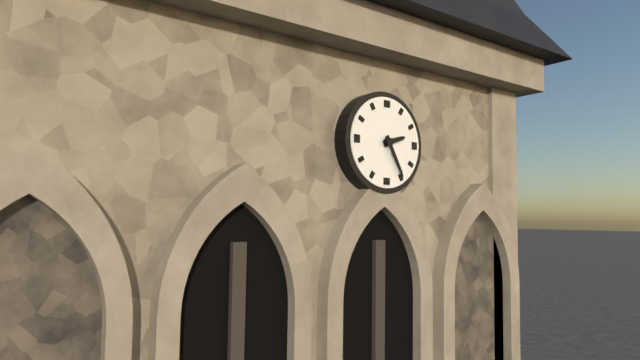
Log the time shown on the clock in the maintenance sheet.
2:25
